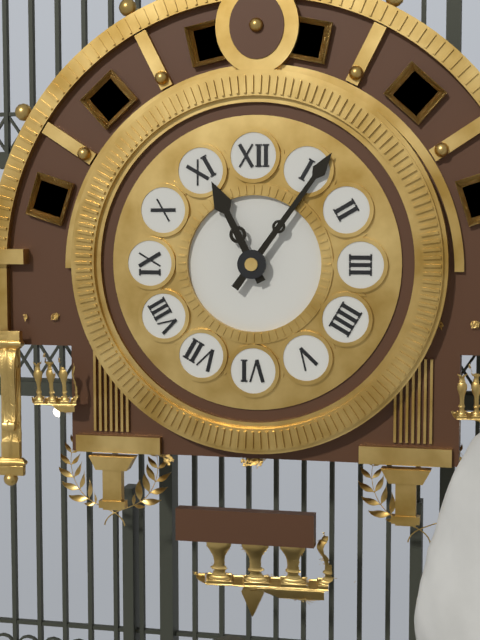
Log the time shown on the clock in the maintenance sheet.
11:06
